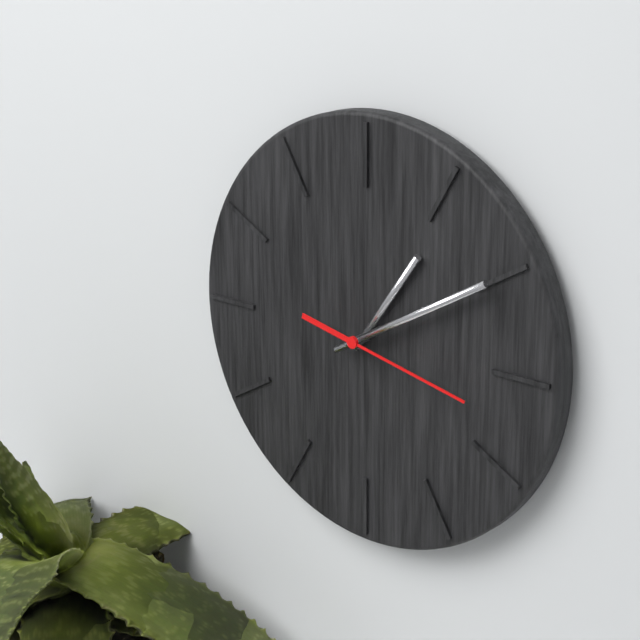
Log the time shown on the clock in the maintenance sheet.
1:10:17
